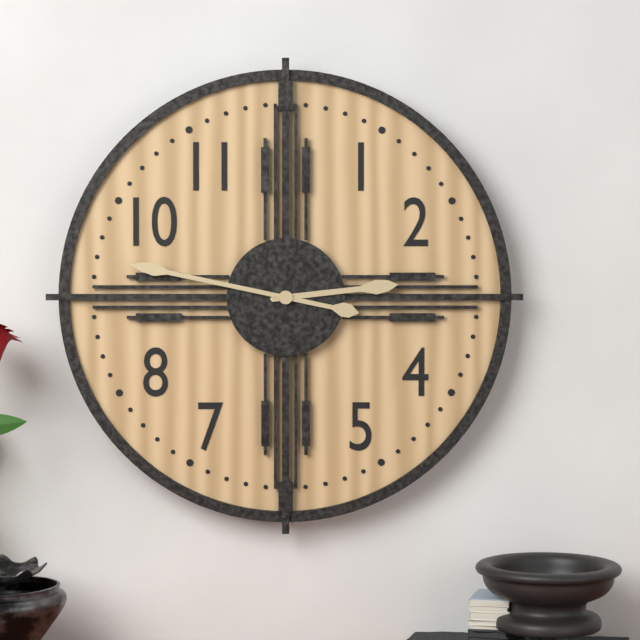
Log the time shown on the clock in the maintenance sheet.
2:47
